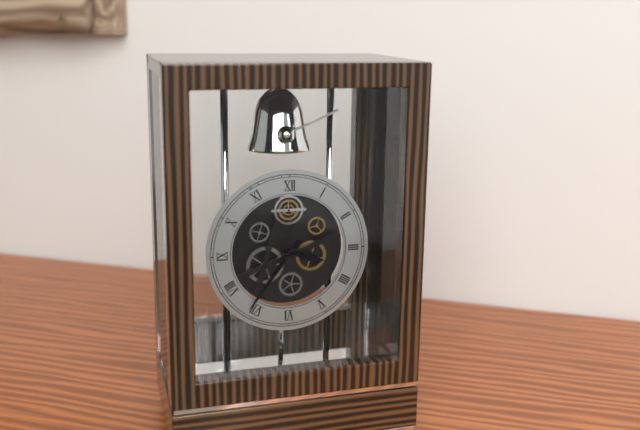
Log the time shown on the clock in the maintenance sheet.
3:36
